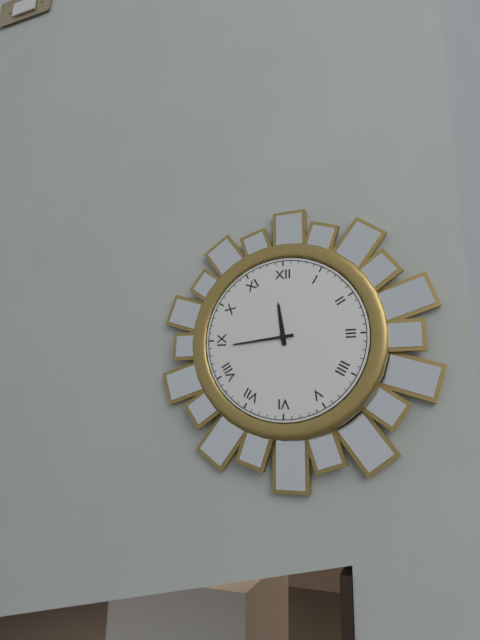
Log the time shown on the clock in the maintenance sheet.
11:44
